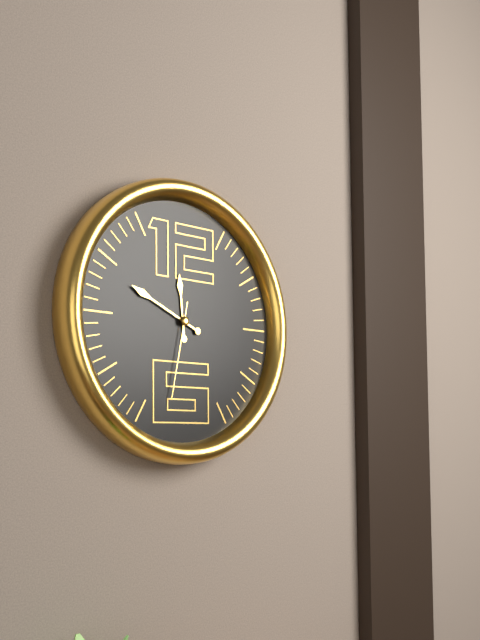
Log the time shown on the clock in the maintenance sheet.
11:49:32
